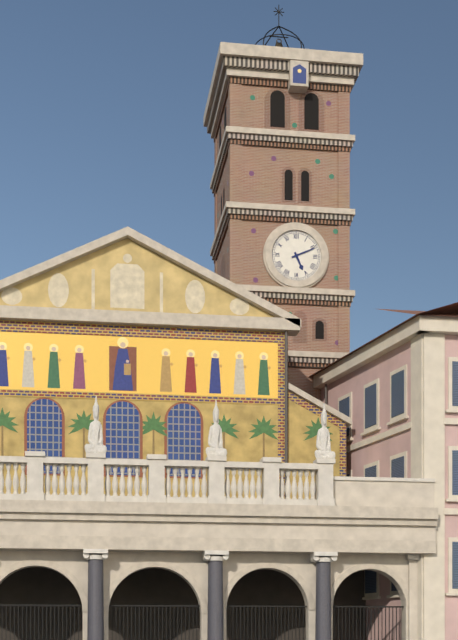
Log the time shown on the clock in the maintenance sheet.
5:11
